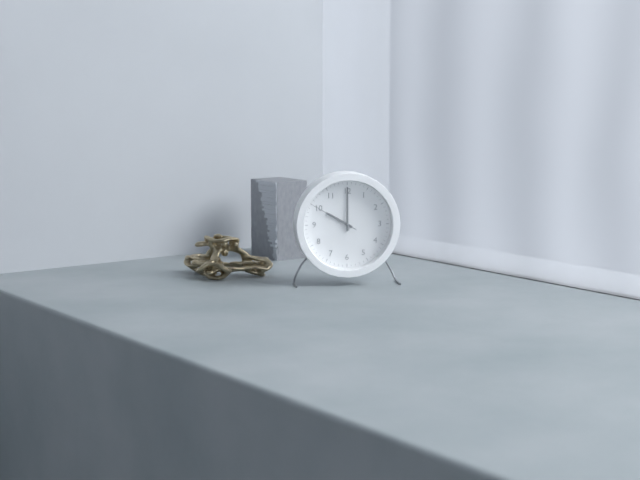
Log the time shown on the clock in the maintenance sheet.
10:00
